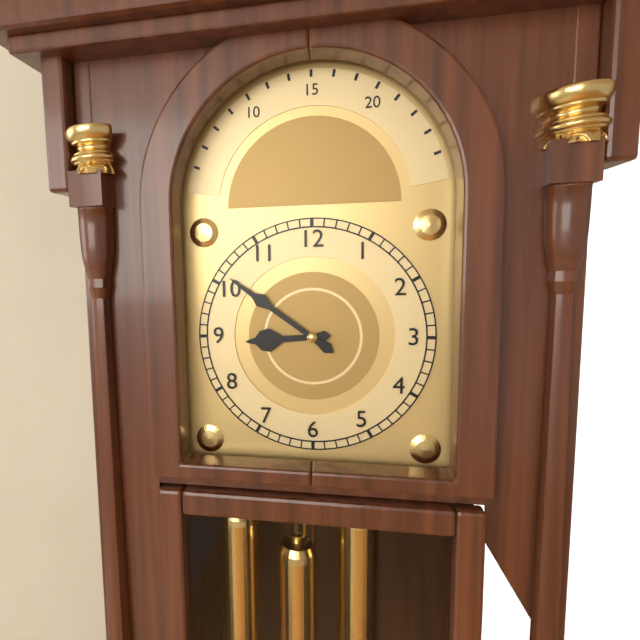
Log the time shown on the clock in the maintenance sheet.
8:51
